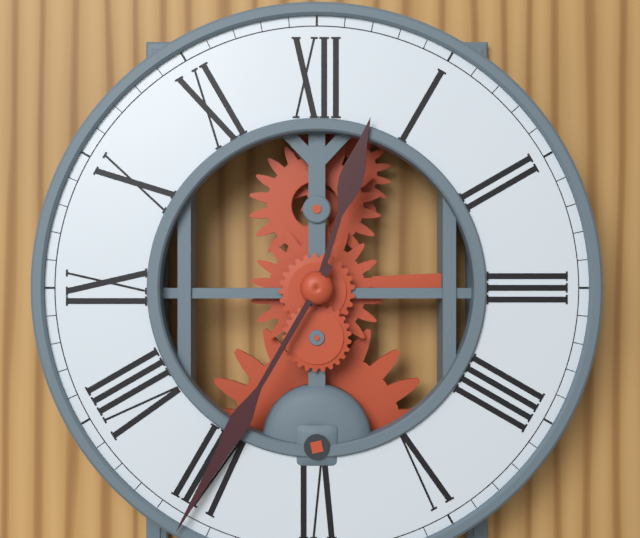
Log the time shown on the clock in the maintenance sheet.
12:35
